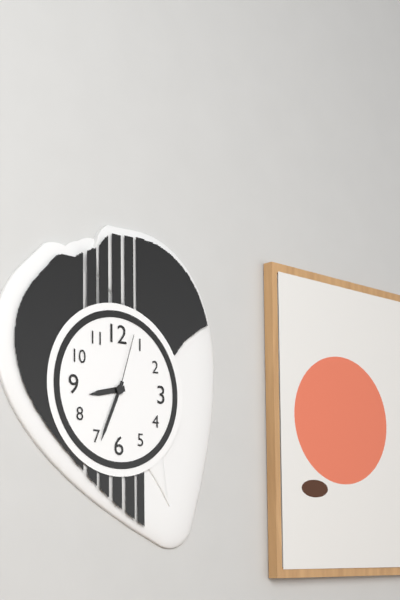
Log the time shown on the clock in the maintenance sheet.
8:34:03
